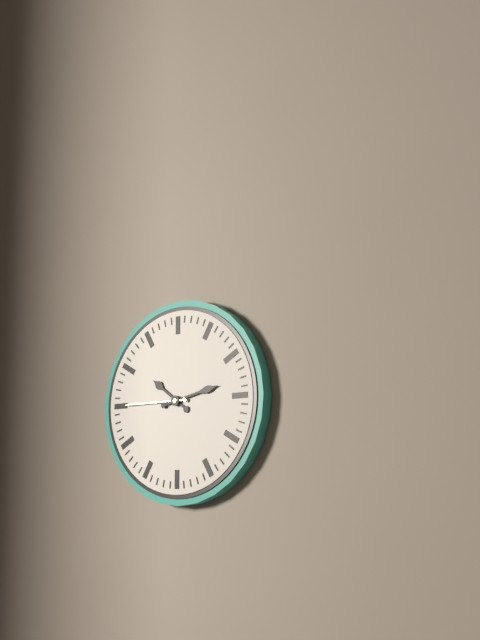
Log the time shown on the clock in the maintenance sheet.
10:13:45
